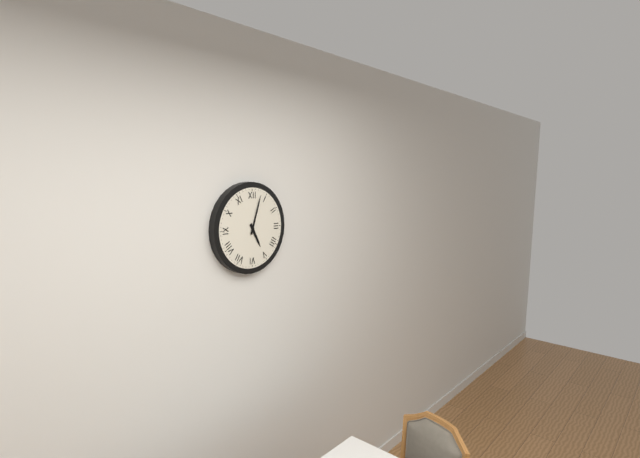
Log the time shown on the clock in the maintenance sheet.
5:03
